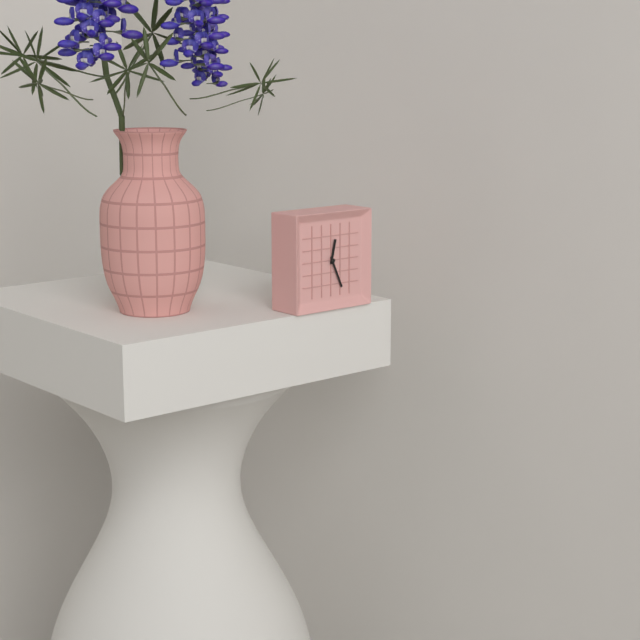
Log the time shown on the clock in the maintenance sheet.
12:26
